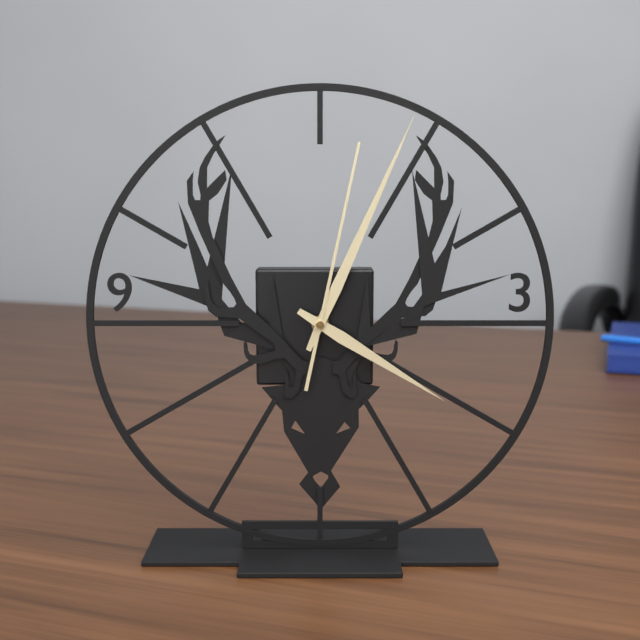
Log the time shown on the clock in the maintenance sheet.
4:04:02
